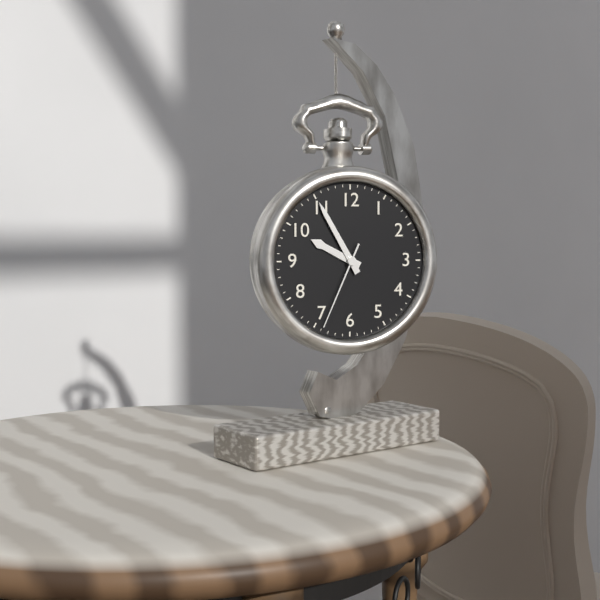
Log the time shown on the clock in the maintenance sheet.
9:55:34
